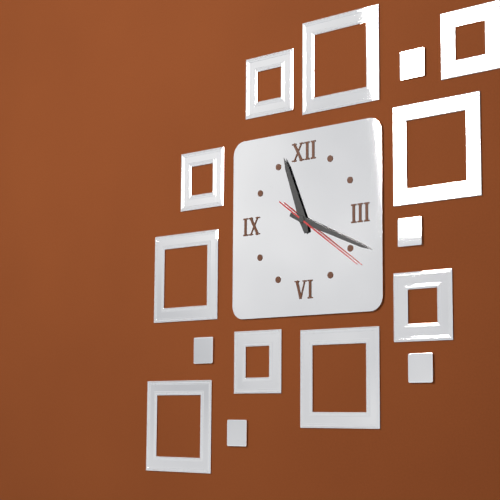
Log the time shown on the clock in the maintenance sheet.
11:19:21
